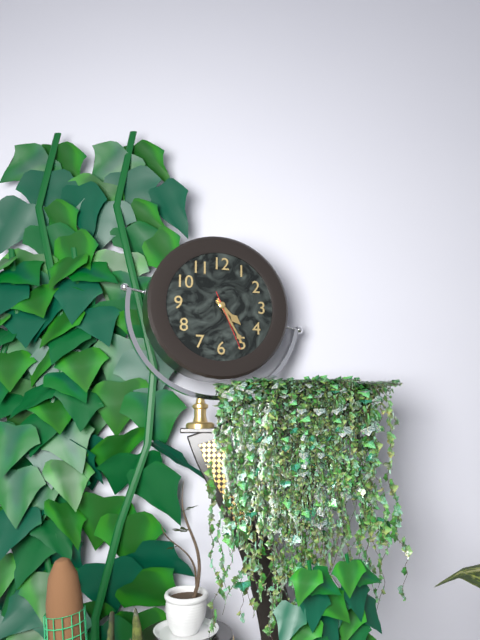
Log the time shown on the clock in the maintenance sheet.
4:25:26
